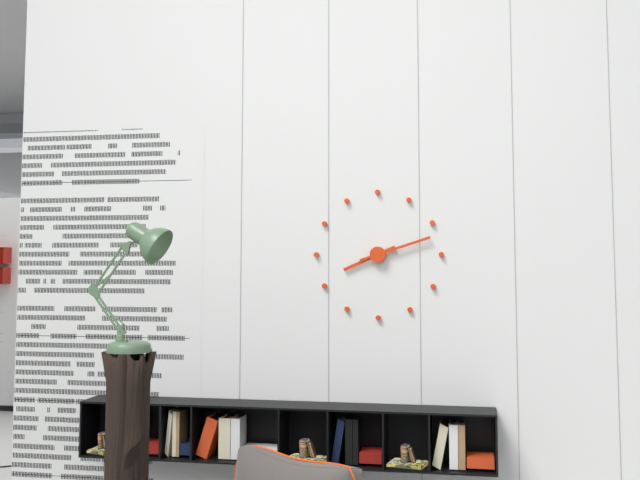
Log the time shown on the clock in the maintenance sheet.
8:12
